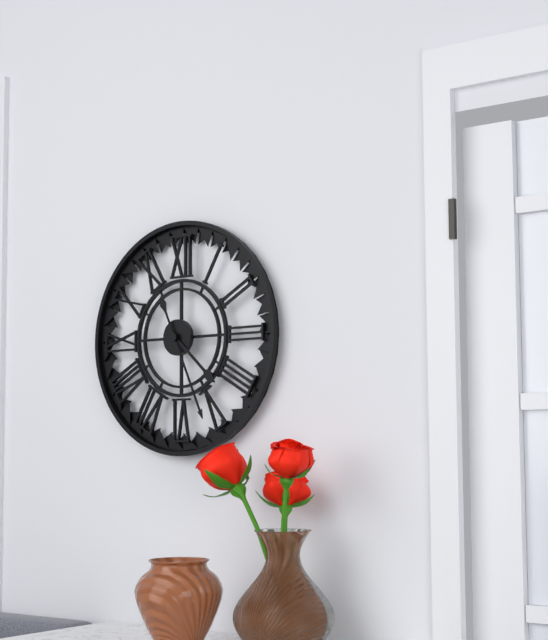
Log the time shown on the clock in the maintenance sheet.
4:26
